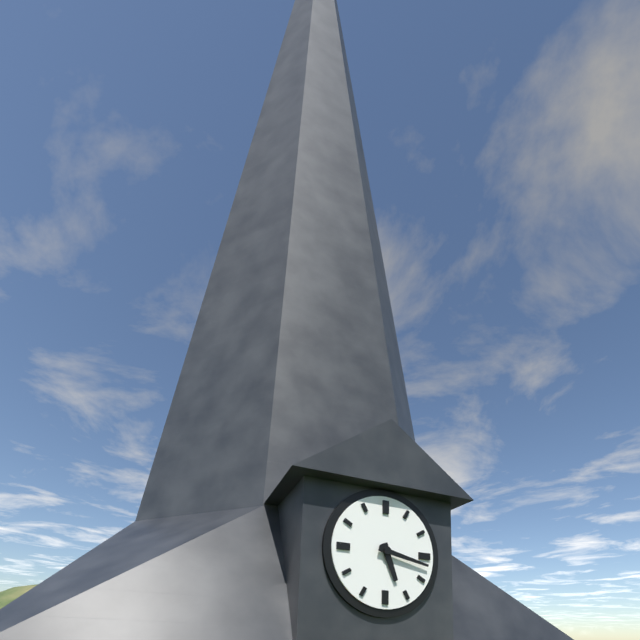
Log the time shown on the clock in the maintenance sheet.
5:17
